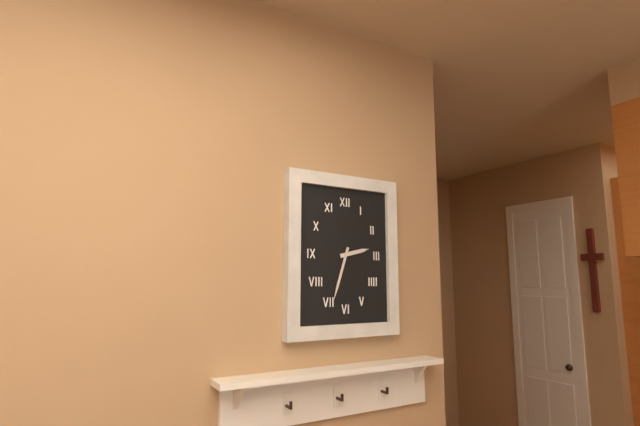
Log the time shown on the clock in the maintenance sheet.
2:33
